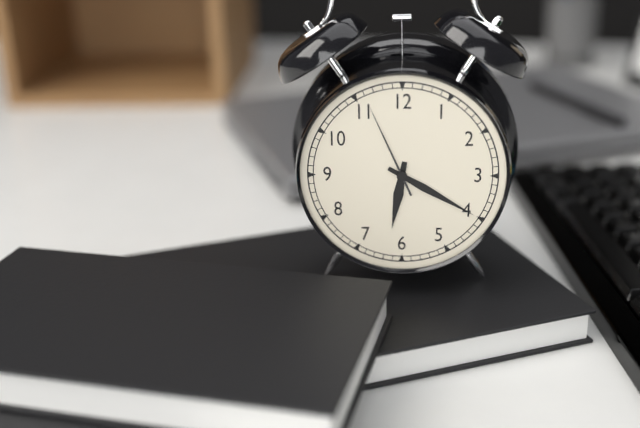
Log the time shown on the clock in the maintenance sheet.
6:20:56
